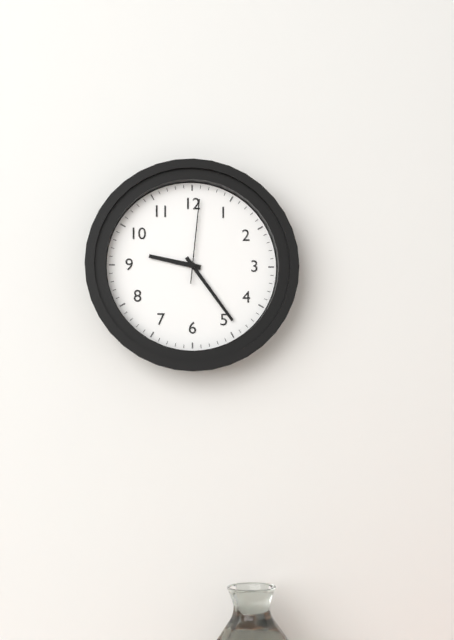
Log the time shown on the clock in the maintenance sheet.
9:24:01
